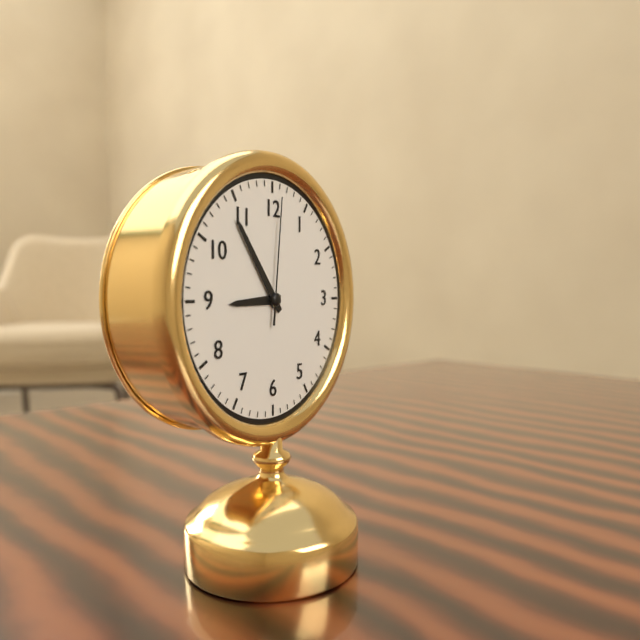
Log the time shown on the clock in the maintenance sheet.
8:54:01
